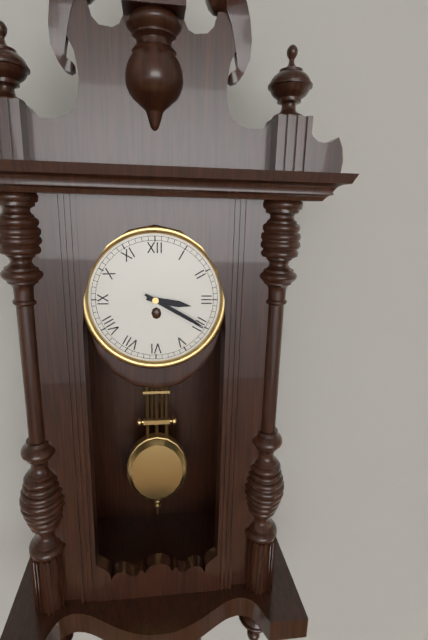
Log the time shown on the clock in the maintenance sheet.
3:20
